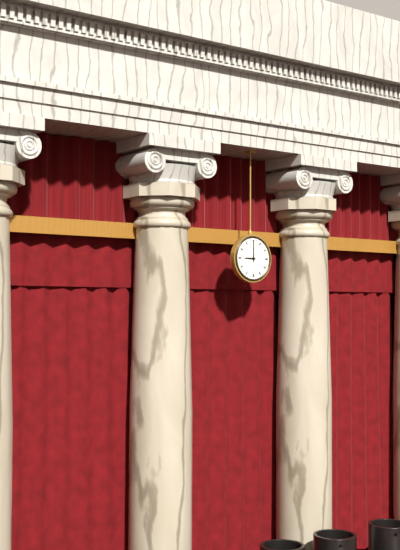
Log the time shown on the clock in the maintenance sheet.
9:00
